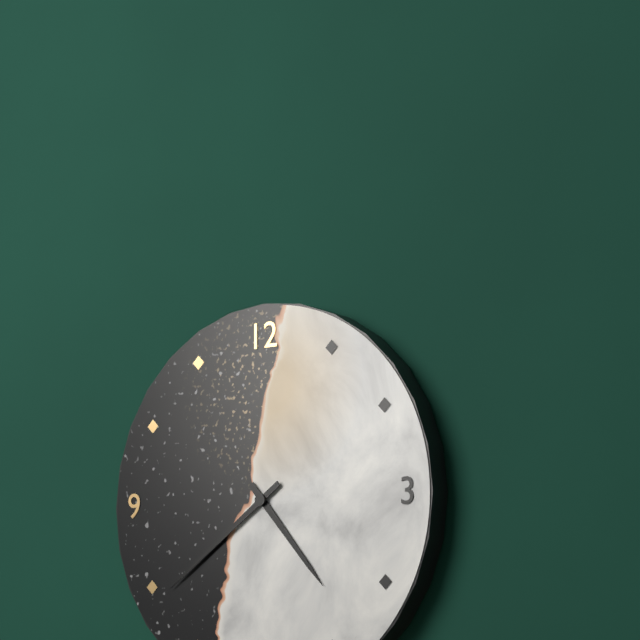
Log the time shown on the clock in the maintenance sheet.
4:39
